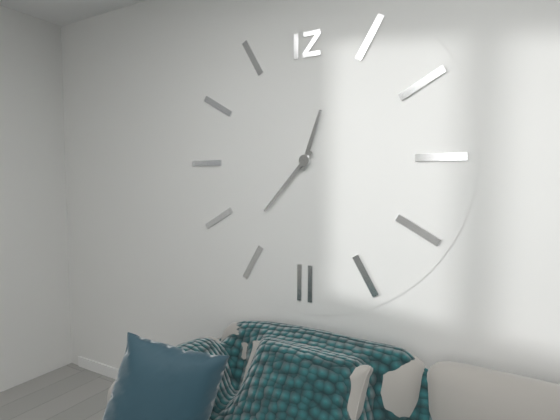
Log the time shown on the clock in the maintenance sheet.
12:37
